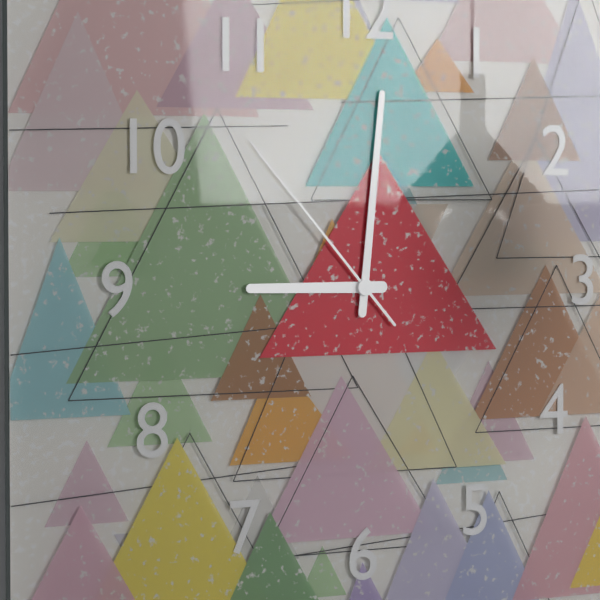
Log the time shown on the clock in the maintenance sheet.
9:01:53
